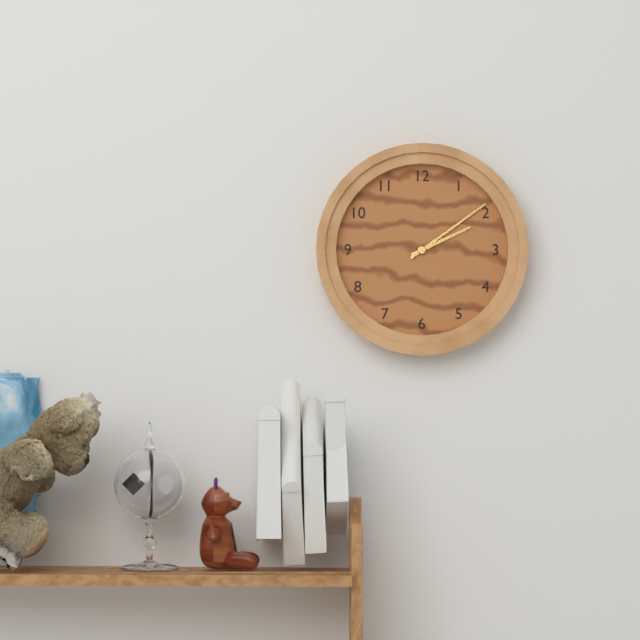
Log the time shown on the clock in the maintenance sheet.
2:09
